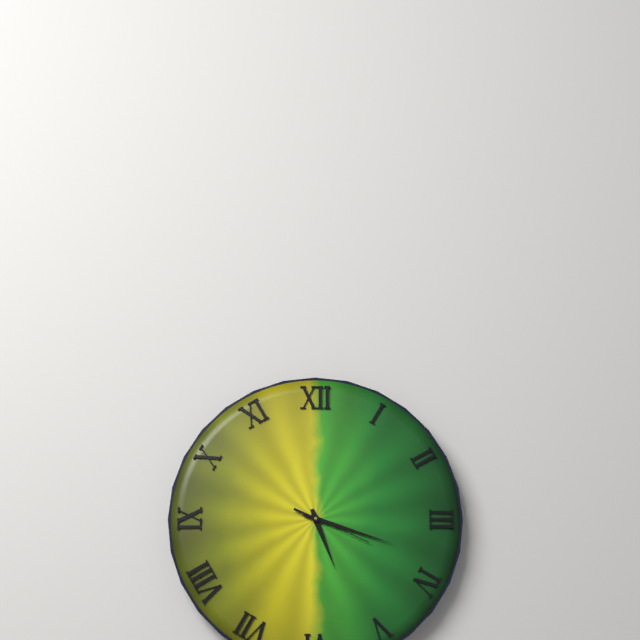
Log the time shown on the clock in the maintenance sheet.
5:18:19
